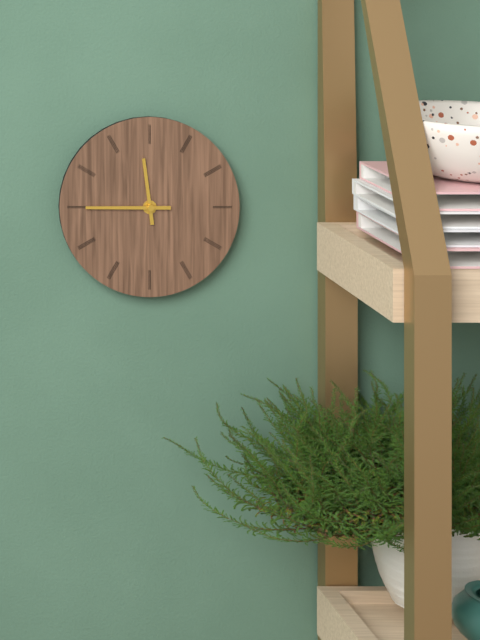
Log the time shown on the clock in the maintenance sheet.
11:45
